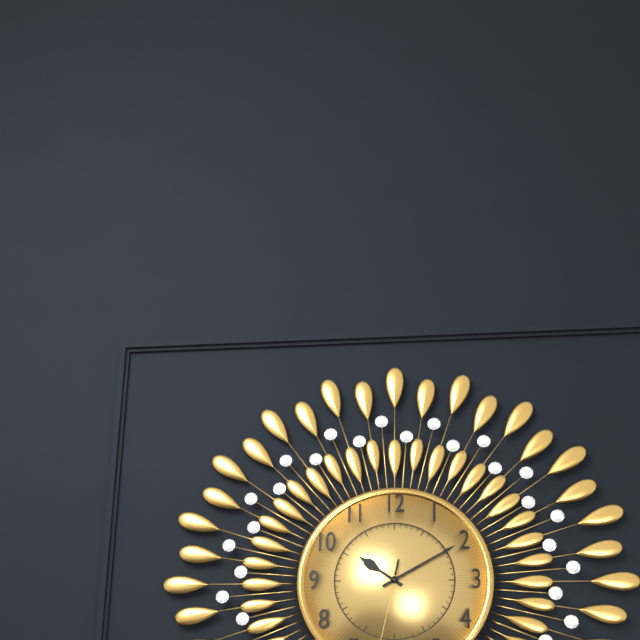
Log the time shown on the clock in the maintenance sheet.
10:10
